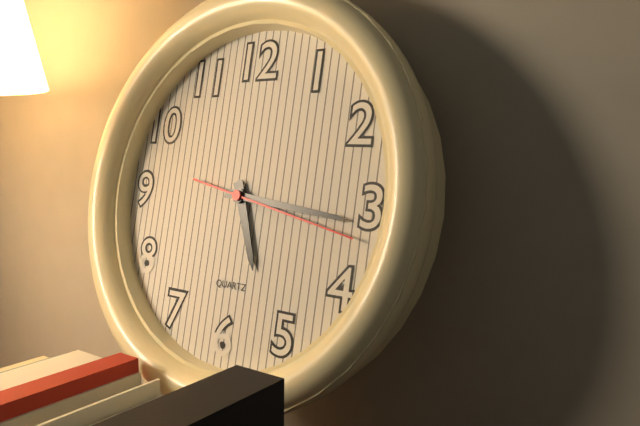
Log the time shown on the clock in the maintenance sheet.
5:16:17
